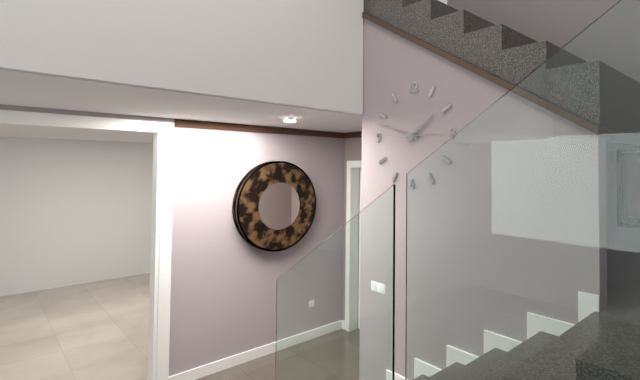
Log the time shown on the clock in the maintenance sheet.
1:48
